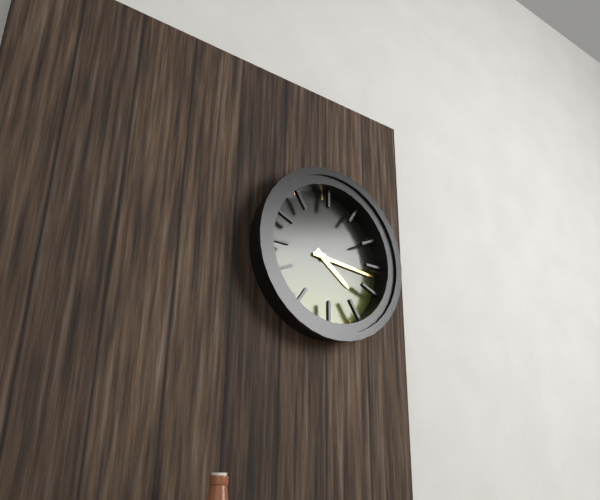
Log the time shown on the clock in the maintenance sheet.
4:16
